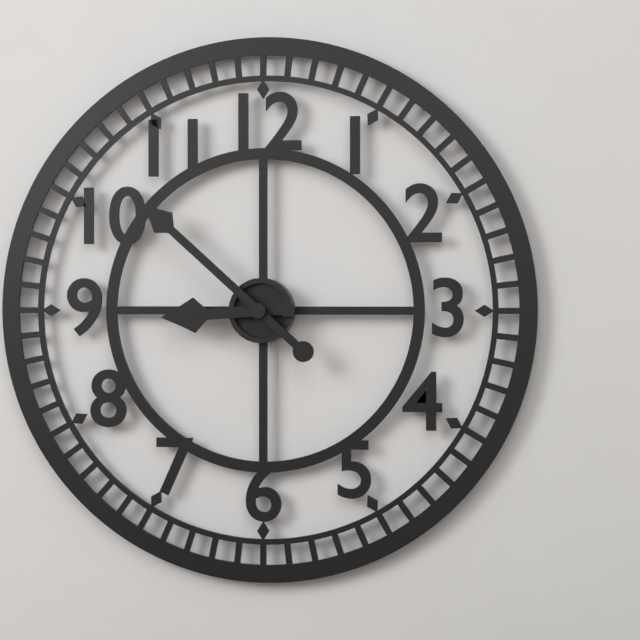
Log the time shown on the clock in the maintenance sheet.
8:52
